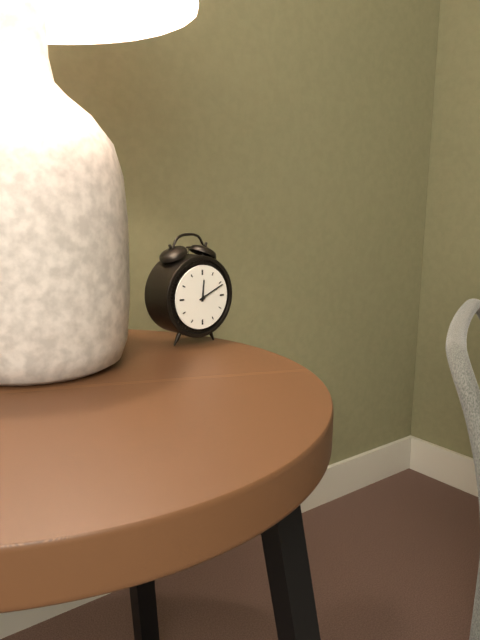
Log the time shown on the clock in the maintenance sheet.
12:11
